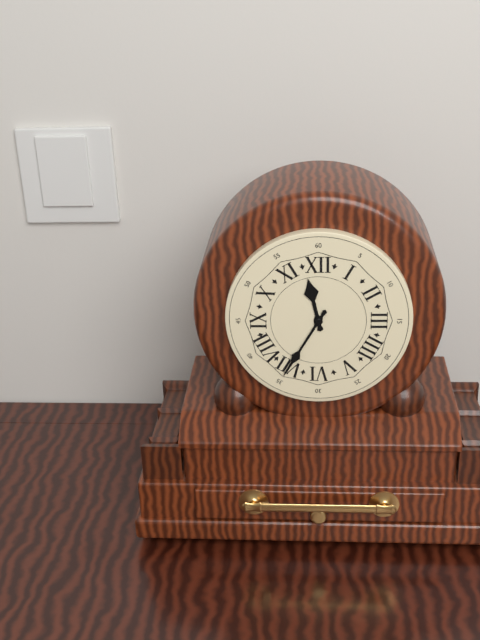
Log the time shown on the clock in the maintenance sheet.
11:35
